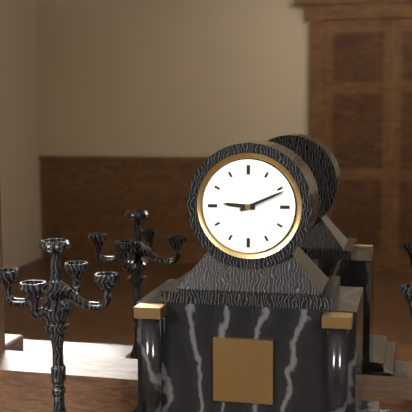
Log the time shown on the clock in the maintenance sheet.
9:11
